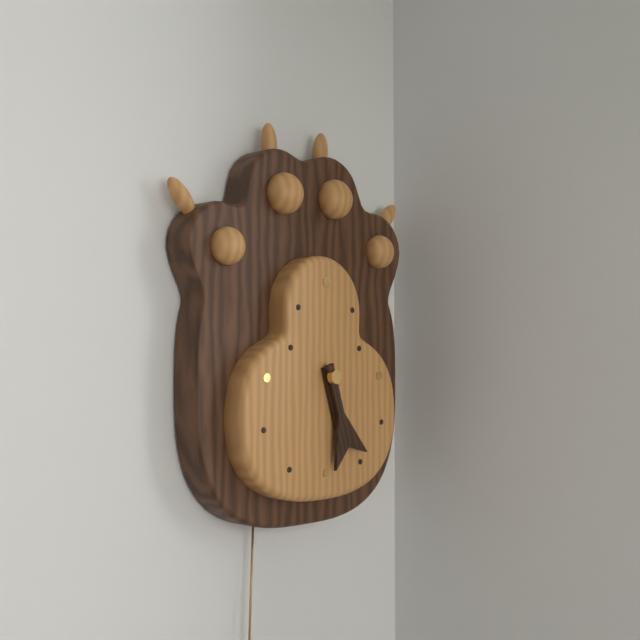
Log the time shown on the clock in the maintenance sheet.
5:27
